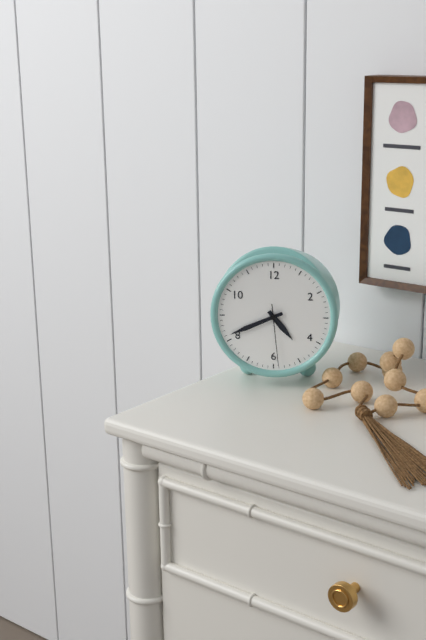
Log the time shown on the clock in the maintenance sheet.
4:41:29
